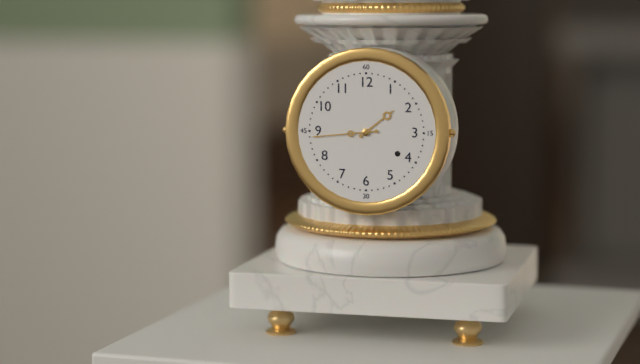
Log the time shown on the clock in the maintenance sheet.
1:44
